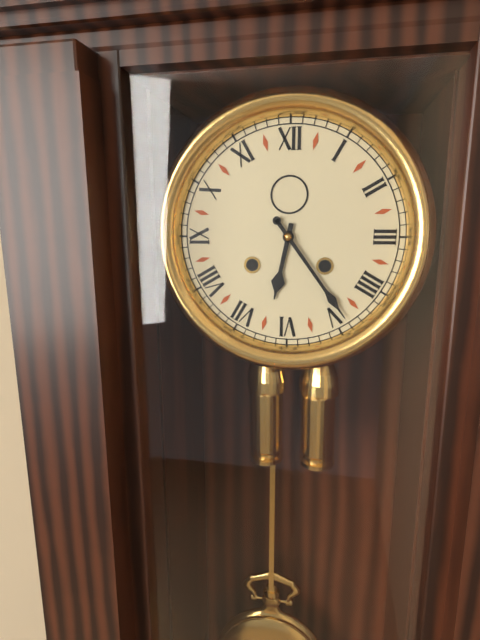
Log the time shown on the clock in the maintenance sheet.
6:24
